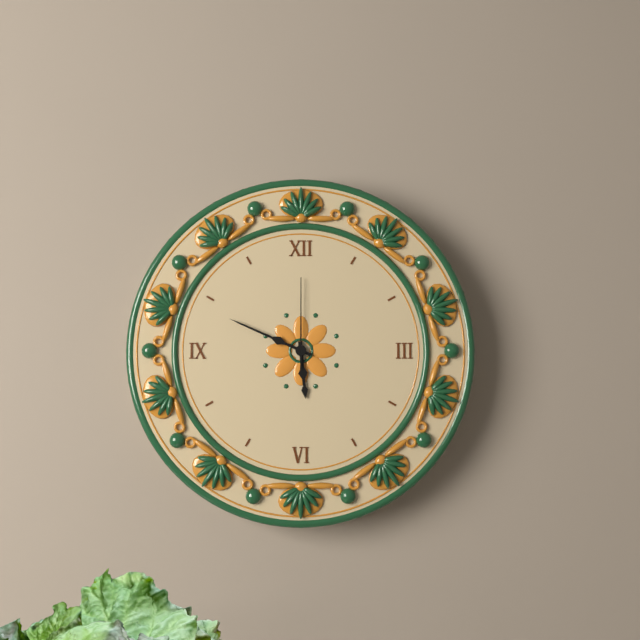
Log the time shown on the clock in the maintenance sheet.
5:49:00
